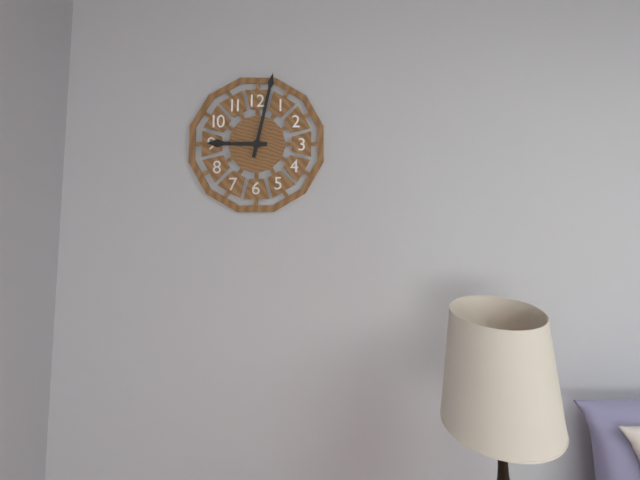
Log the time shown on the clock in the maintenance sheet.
9:02
